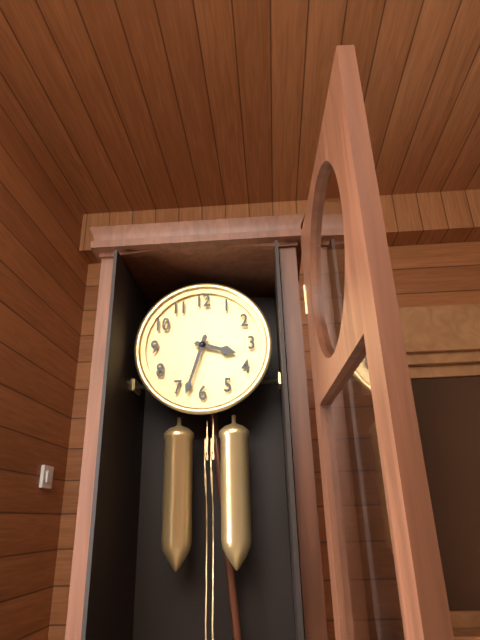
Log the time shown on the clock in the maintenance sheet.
3:33
